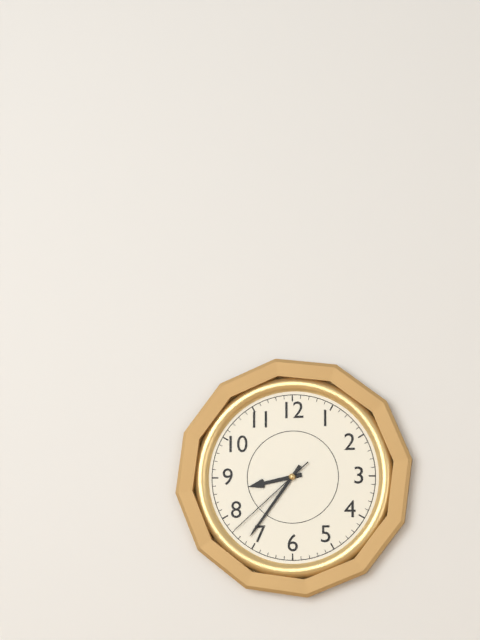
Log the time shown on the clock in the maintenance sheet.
8:36:38
